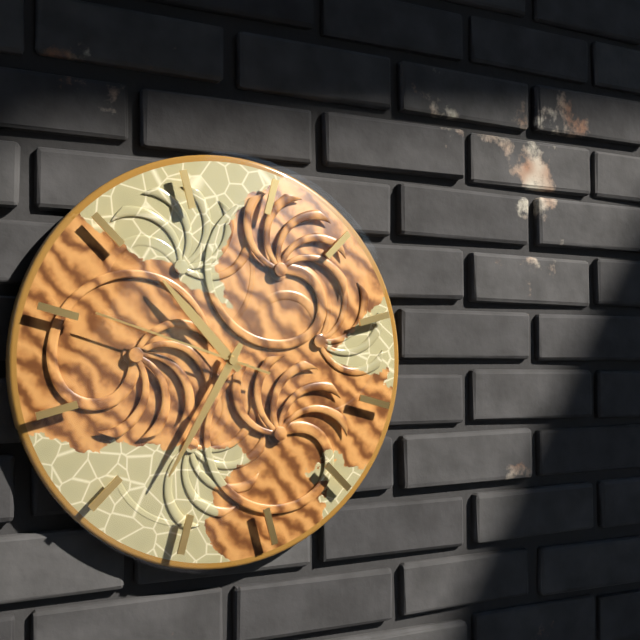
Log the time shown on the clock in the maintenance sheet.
10:35:48
